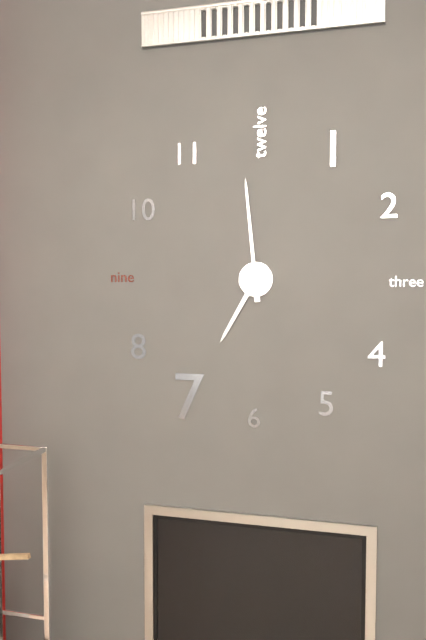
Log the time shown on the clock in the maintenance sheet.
6:59
